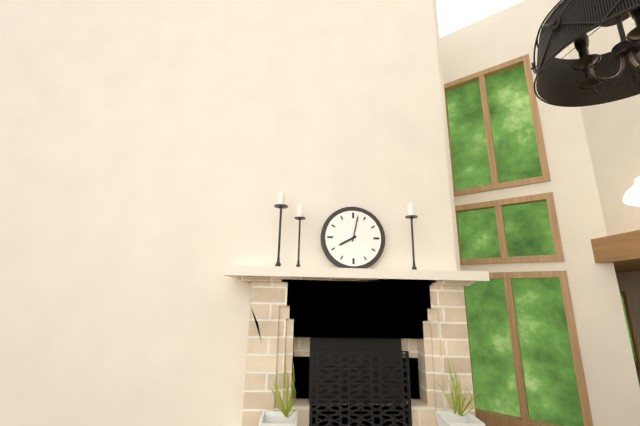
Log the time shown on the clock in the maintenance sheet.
8:02
